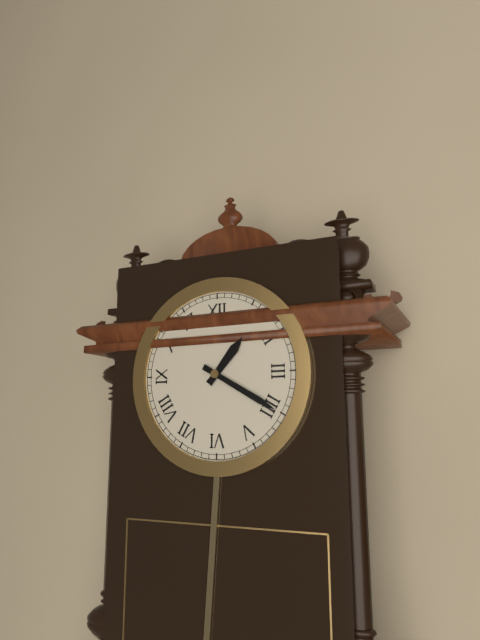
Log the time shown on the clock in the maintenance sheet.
1:20
